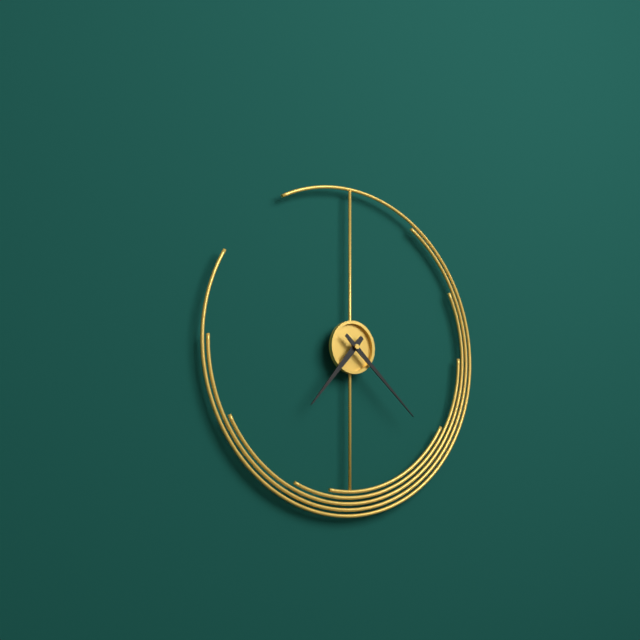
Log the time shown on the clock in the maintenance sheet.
7:22
